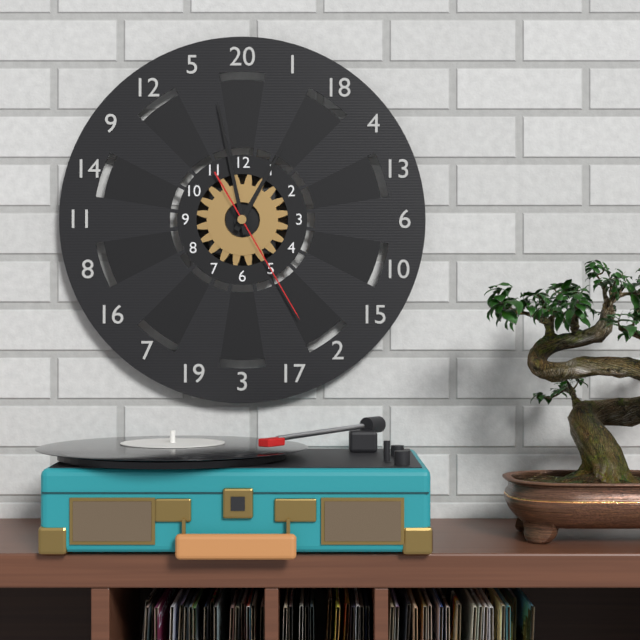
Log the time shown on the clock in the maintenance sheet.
12:58:25
